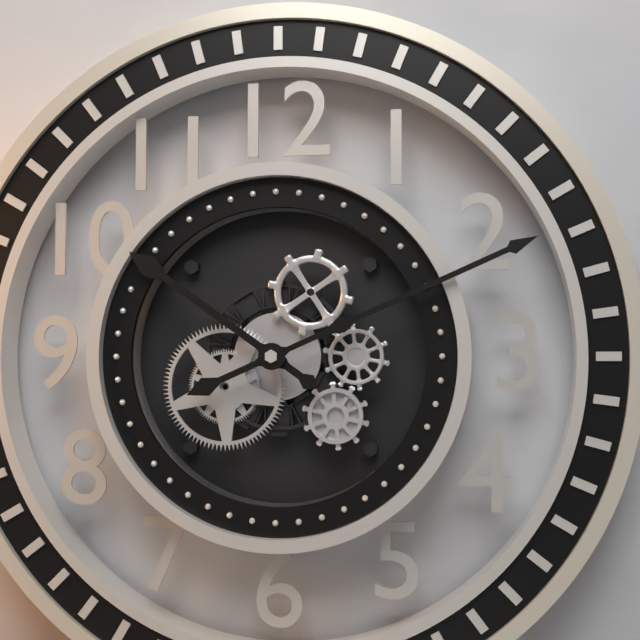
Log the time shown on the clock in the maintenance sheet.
10:11
